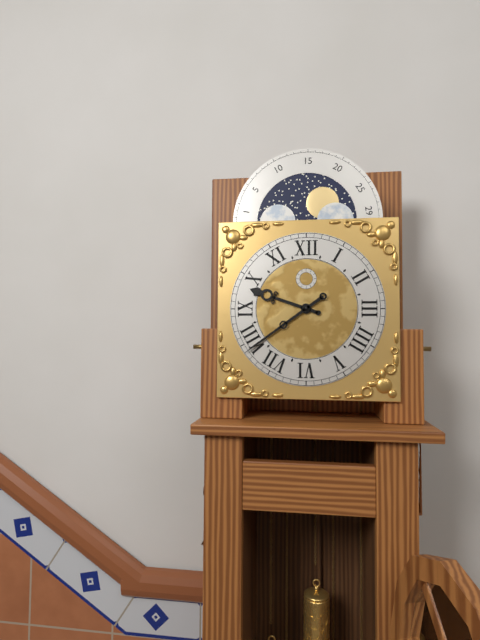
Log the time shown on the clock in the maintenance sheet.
9:39
